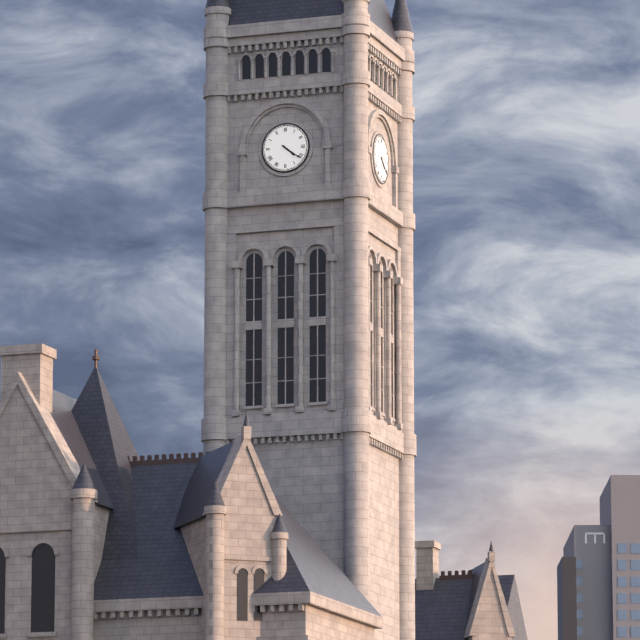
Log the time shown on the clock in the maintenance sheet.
4:21
